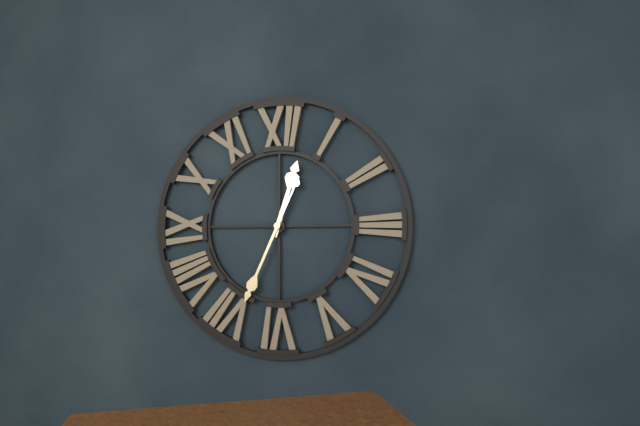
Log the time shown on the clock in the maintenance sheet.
12:34
